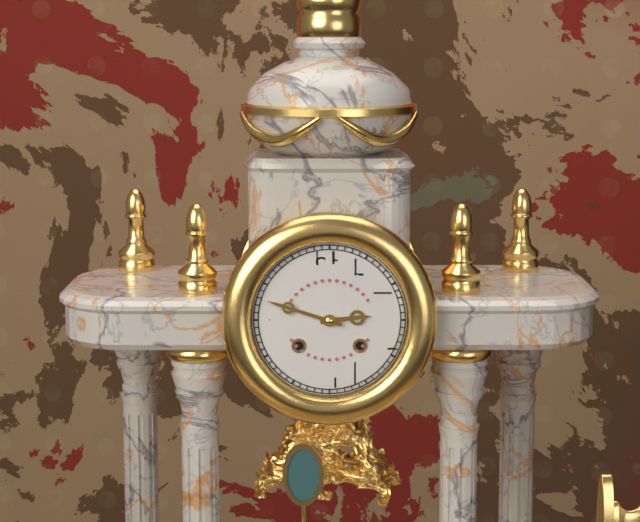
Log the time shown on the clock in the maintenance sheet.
2:48
